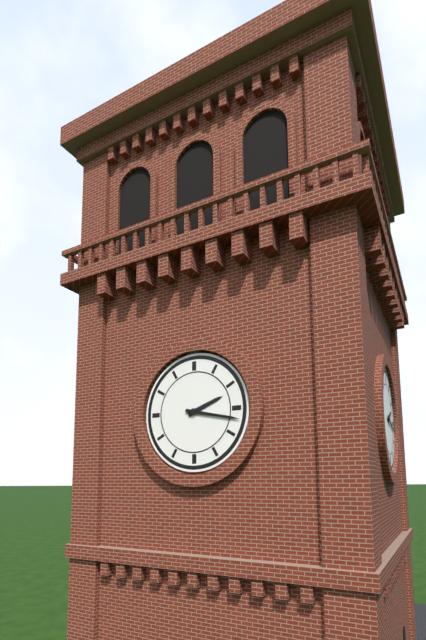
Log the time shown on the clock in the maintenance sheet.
2:17
